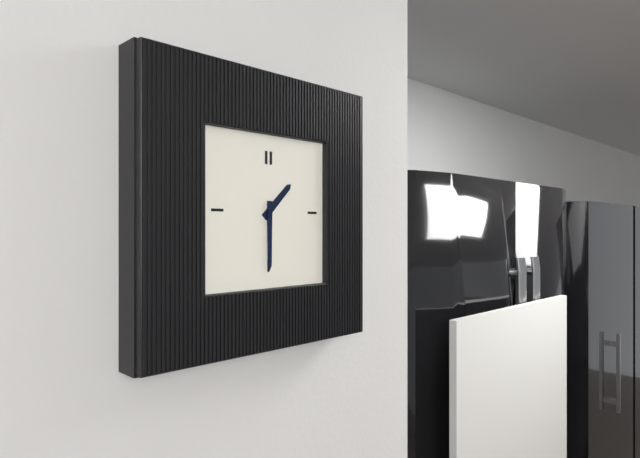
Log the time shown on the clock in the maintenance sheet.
1:30
